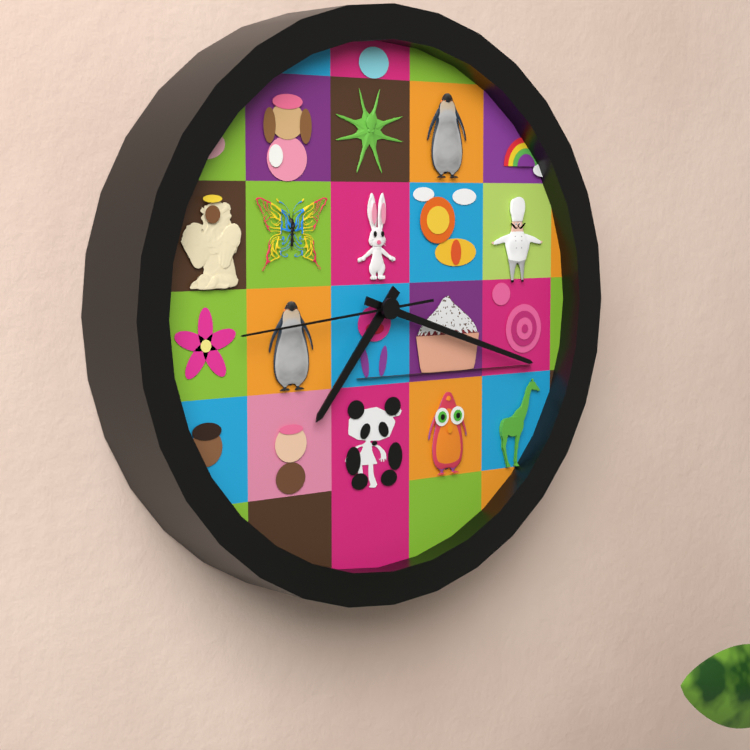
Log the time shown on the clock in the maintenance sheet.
7:18:44
